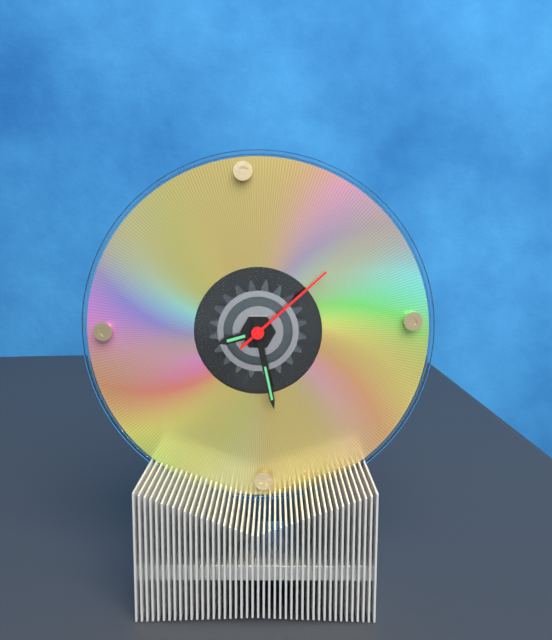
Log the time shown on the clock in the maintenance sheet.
8:28:08
